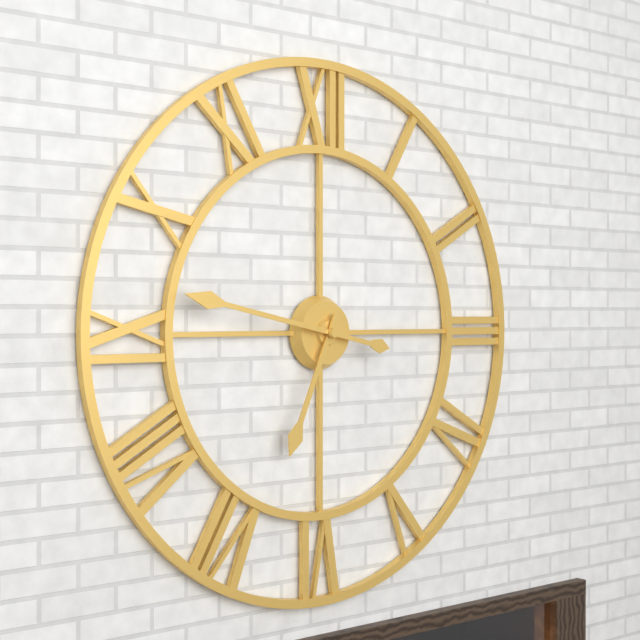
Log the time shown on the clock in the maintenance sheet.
6:47
